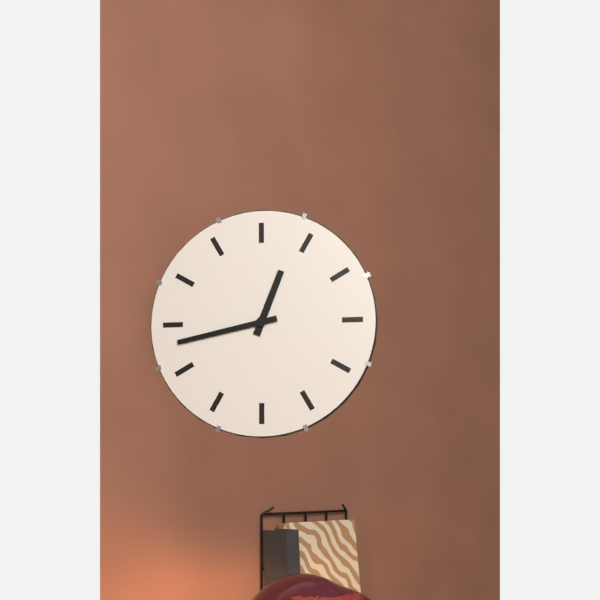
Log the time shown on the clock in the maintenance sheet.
12:43
